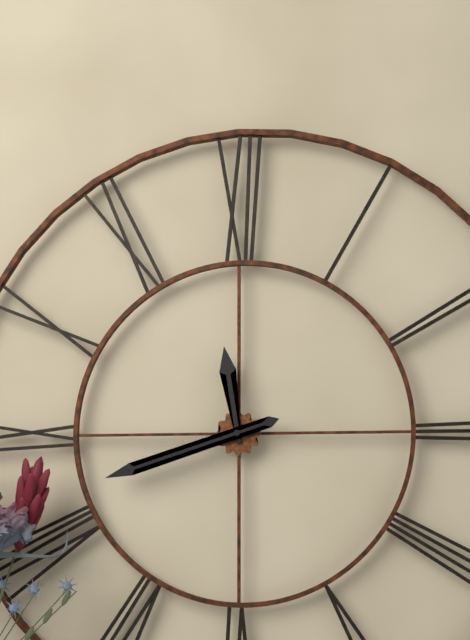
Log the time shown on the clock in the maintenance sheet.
11:42
